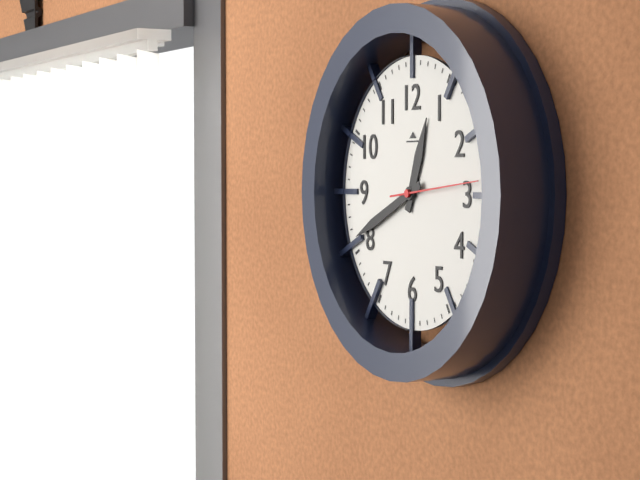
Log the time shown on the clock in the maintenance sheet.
12:41:14
